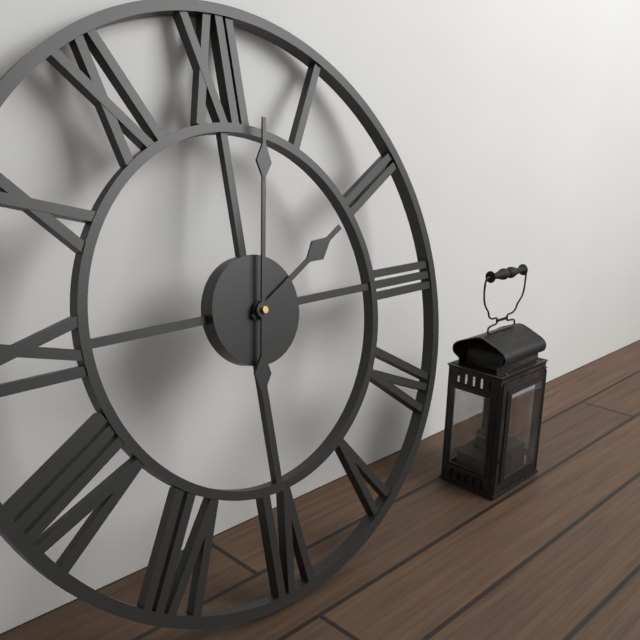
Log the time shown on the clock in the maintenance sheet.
2:02
